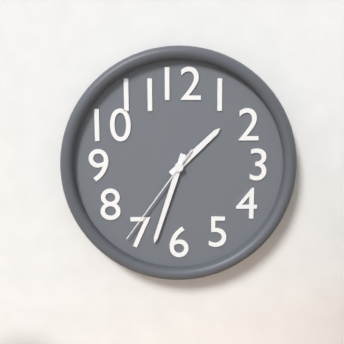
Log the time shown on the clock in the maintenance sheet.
1:33:36
